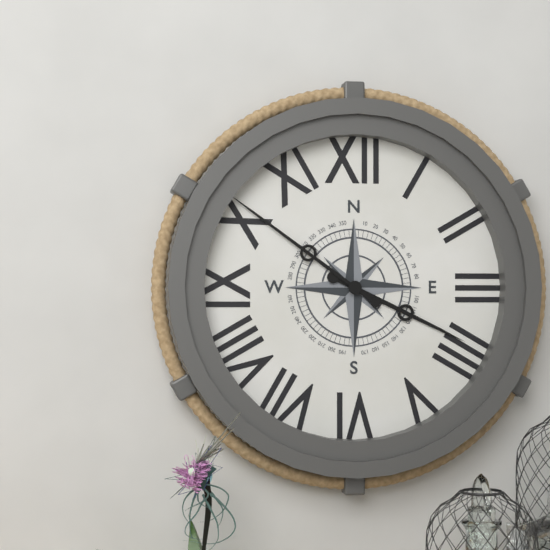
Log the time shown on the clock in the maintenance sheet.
3:51
